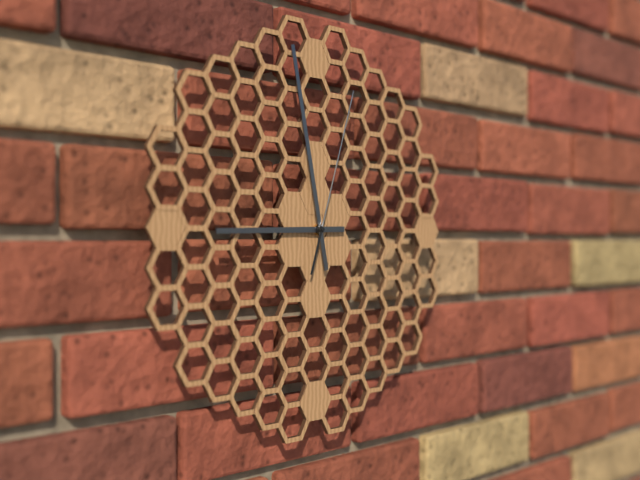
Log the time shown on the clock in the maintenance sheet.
8:58:03
